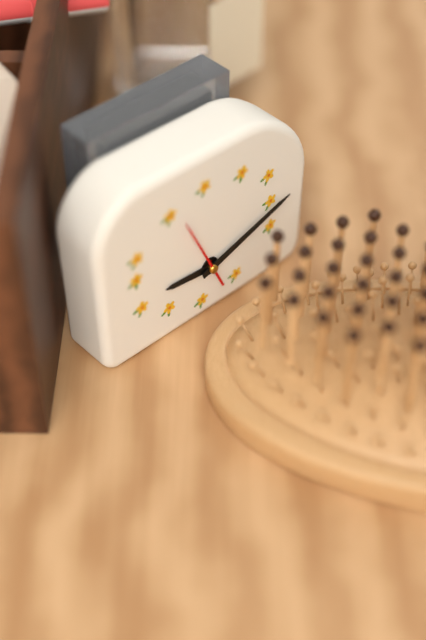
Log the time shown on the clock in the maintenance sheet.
9:12:56
